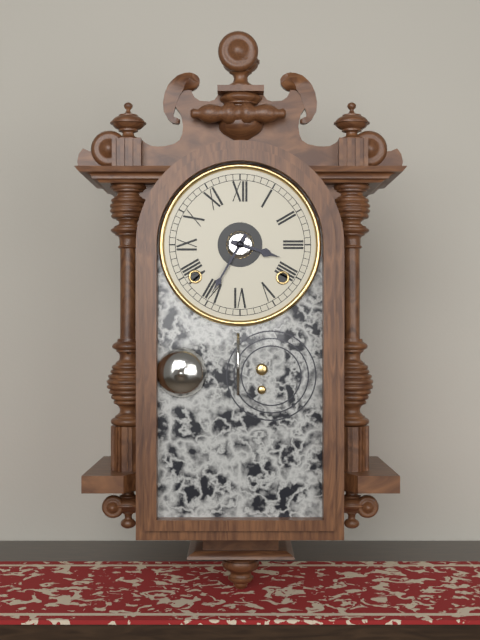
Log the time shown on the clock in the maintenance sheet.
3:35
